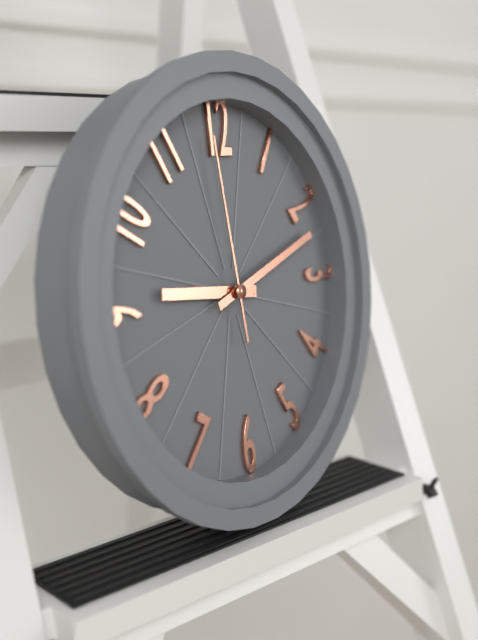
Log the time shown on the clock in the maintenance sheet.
9:12:59
